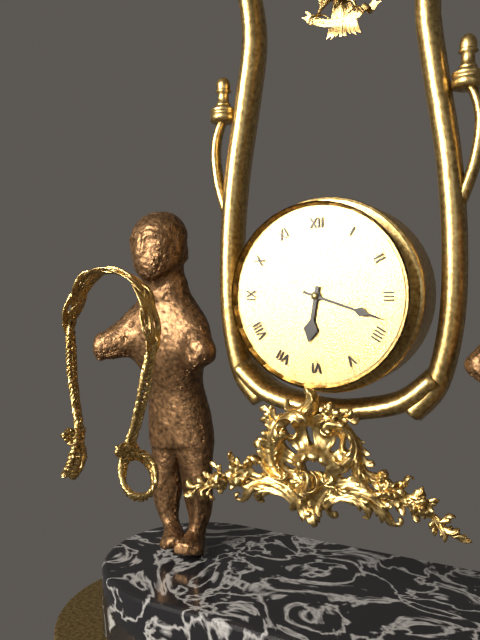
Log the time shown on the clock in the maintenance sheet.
6:18
